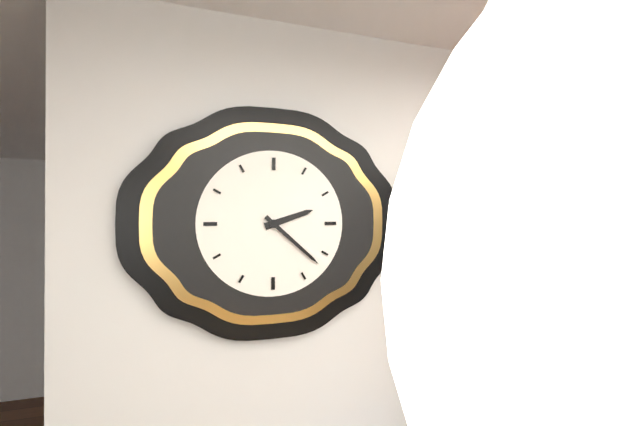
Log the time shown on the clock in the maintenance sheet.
2:22
